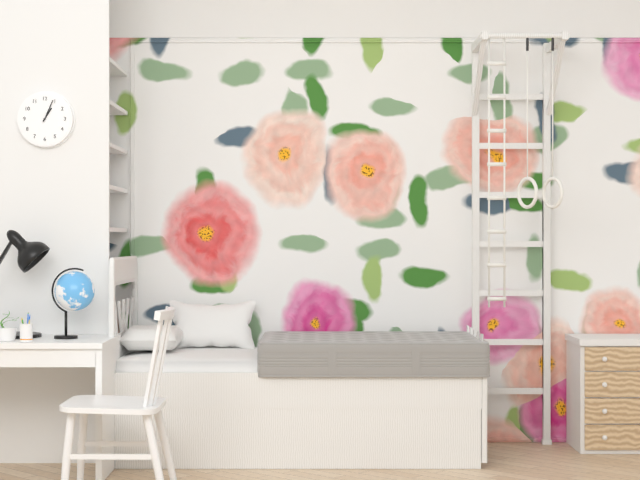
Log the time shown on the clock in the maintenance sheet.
1:04
